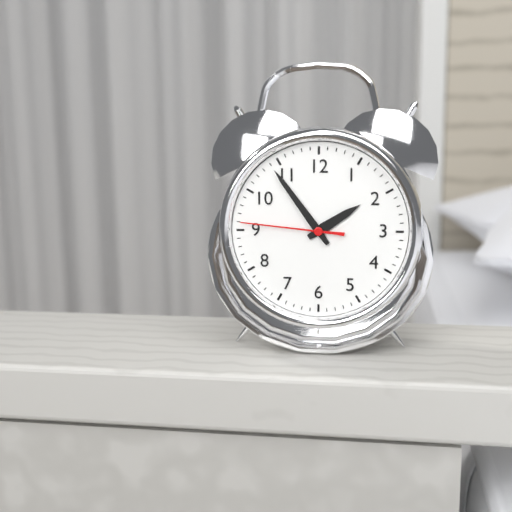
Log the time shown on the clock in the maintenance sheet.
1:54:46
